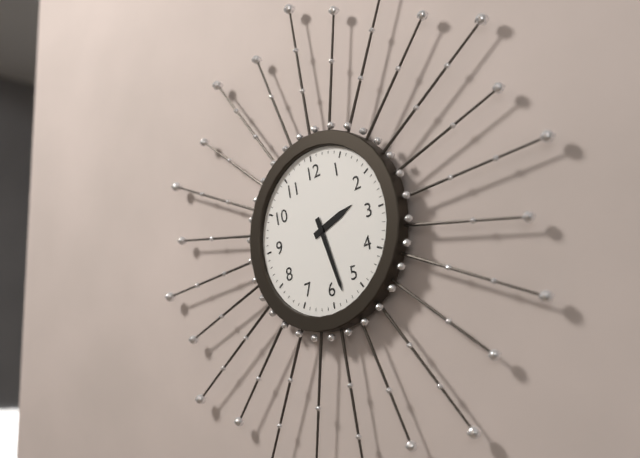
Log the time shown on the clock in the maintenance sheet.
2:28
